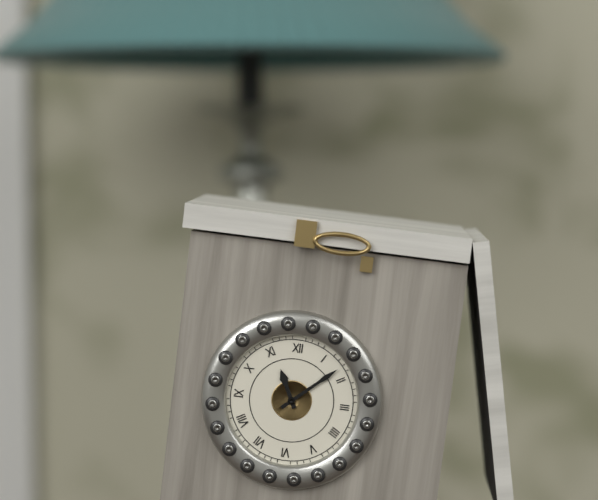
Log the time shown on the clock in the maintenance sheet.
11:08
